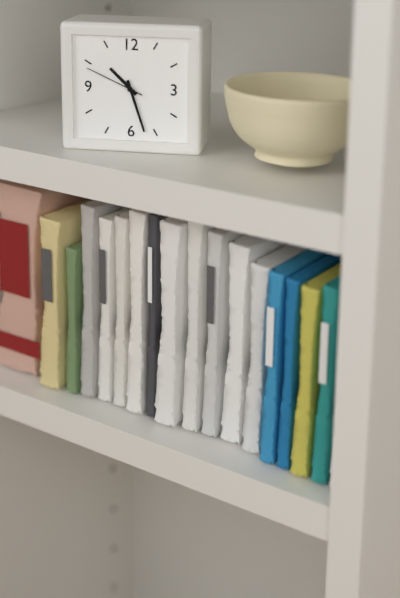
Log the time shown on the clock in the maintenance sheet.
10:27:49
